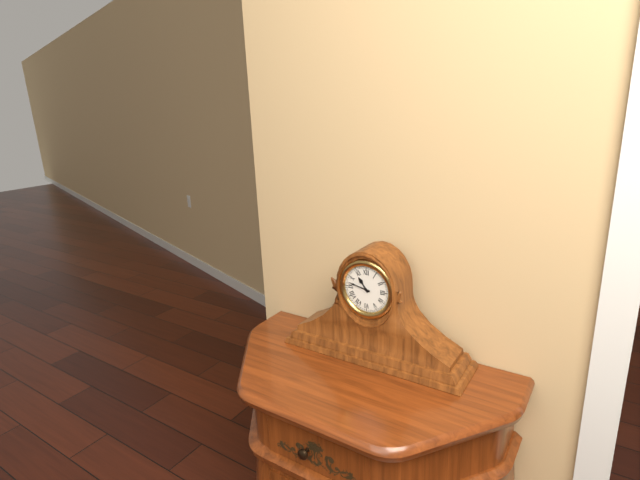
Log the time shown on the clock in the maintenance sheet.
10:47
